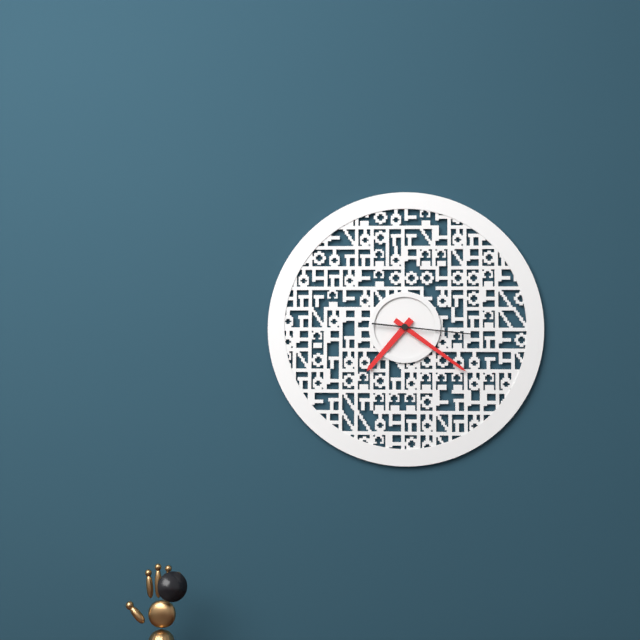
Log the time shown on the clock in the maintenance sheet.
7:21:16
